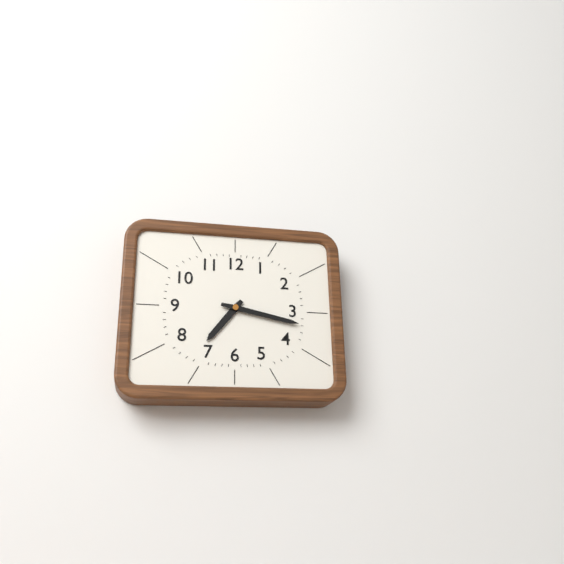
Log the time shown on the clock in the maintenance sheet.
7:17
